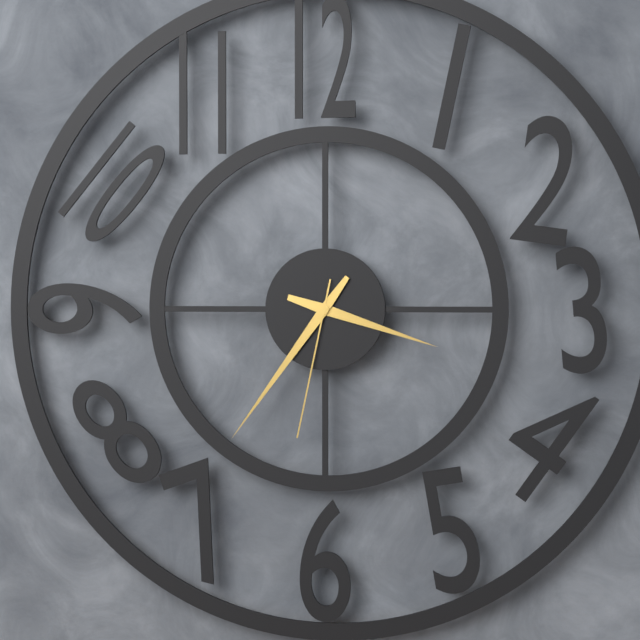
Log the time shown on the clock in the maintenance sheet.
3:36:32
